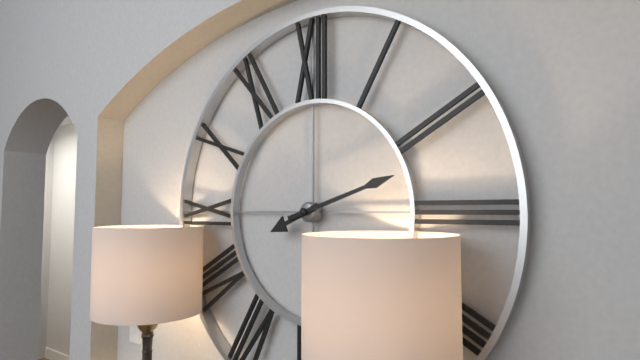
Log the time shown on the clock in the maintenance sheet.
8:12
